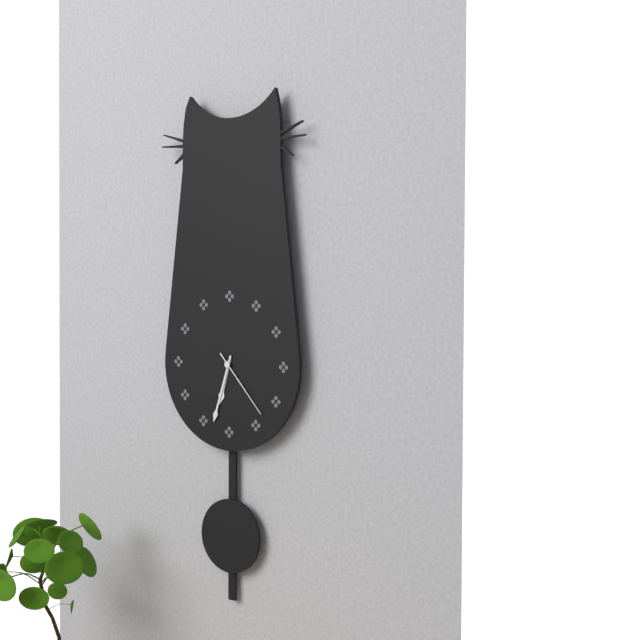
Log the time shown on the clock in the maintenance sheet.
6:33:23
